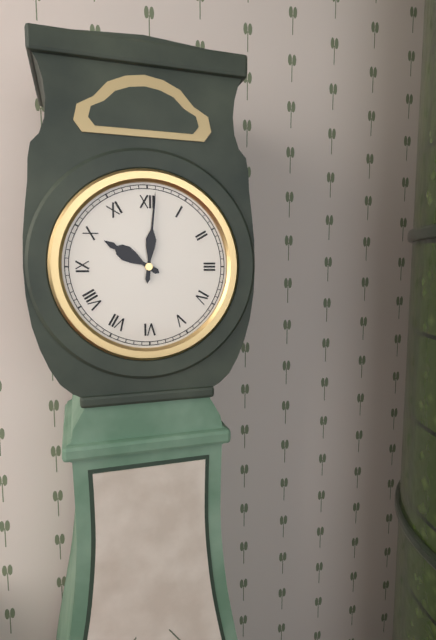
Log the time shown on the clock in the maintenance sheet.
10:01
